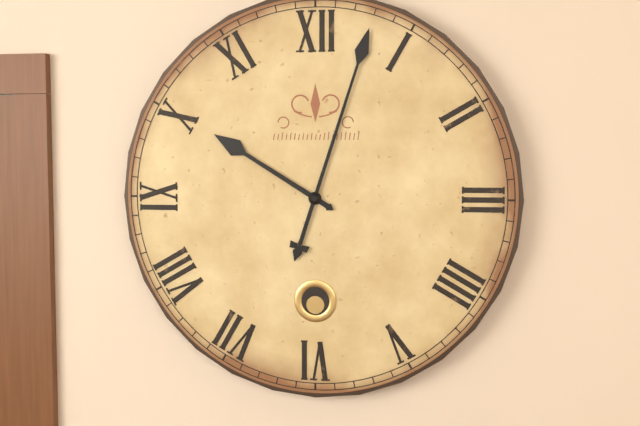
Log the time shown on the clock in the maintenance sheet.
10:03
